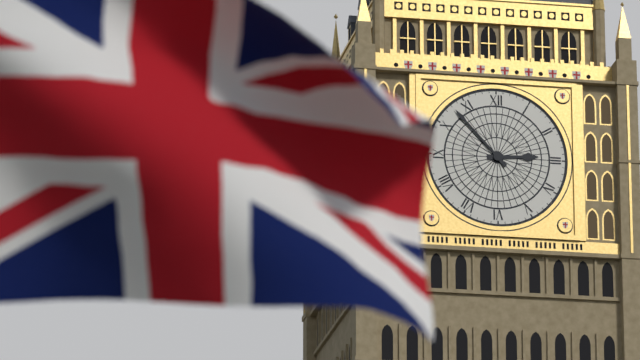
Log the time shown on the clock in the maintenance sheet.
2:53
